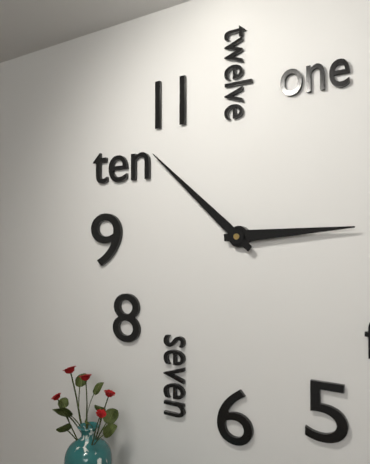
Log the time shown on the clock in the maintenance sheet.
2:52
